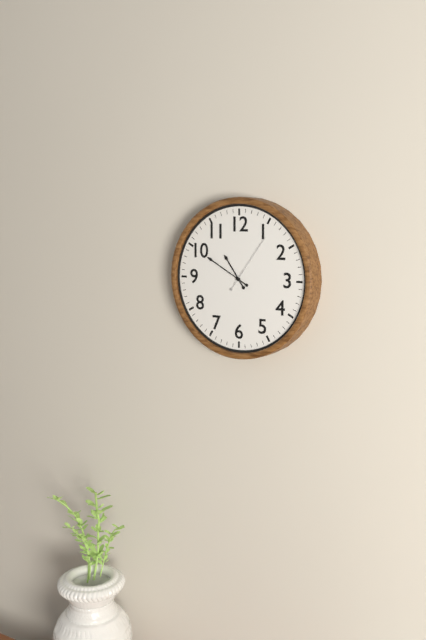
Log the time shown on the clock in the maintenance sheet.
10:50:06
